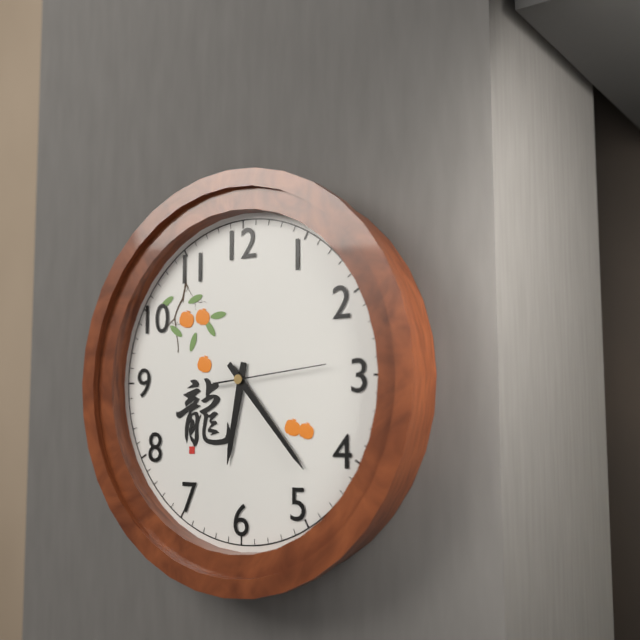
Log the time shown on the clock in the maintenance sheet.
6:23:14
